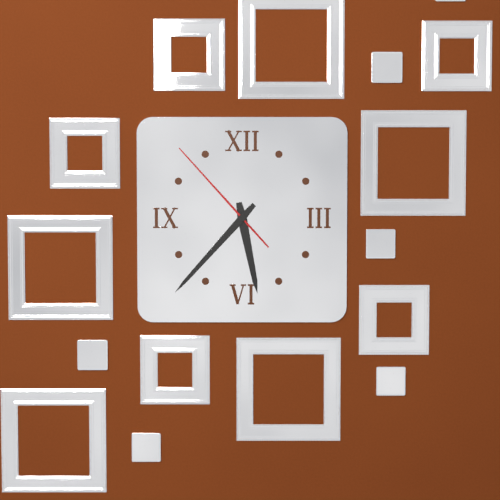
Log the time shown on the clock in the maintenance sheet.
5:37:53
